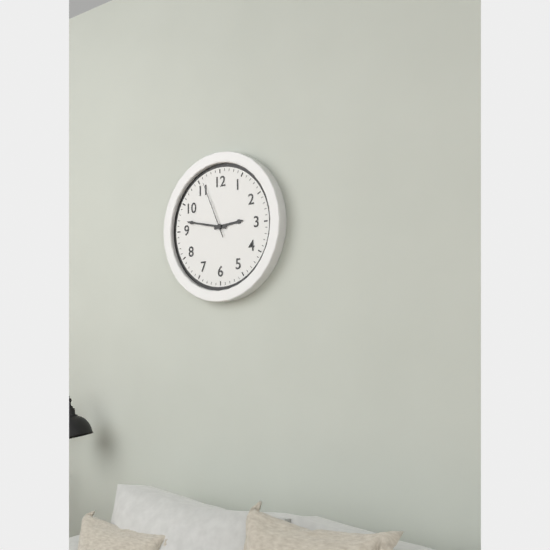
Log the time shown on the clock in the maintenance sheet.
2:47:56
